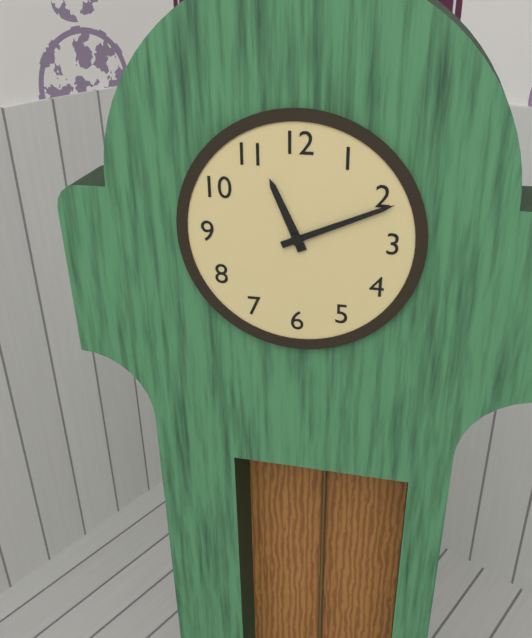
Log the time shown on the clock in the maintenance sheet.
11:11
